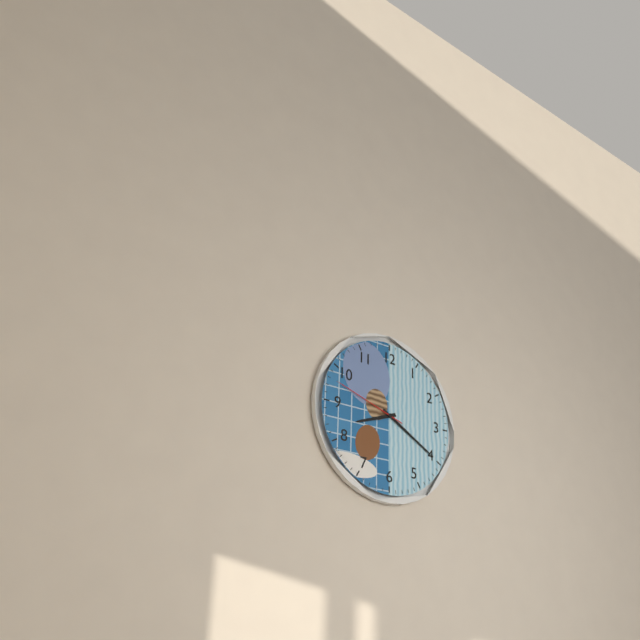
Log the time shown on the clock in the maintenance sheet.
8:20:48
